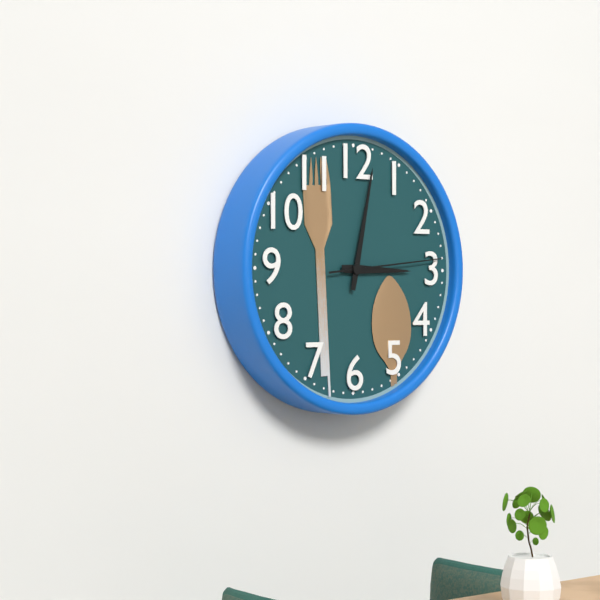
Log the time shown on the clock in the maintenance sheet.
3:02:14
